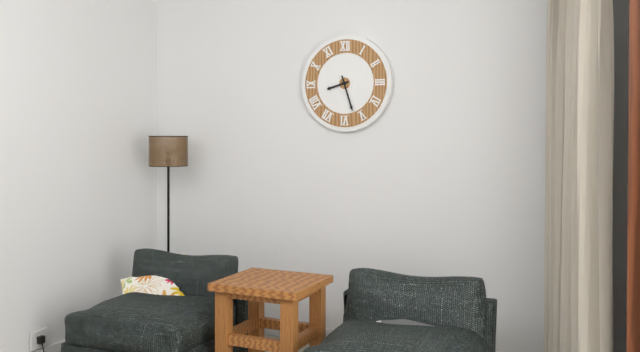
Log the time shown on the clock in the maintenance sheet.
8:27
